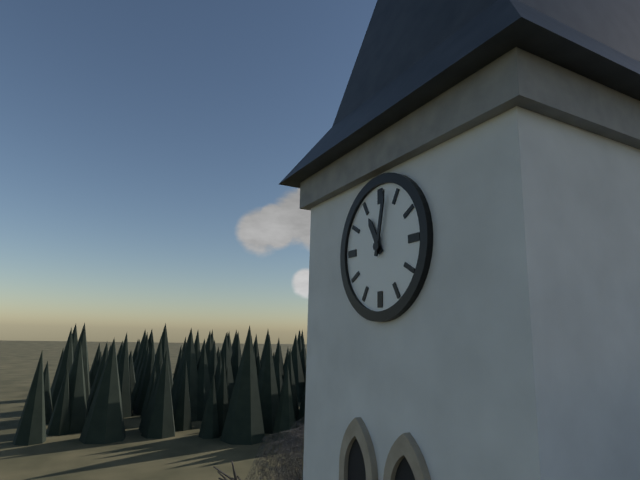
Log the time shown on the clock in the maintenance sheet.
11:02
